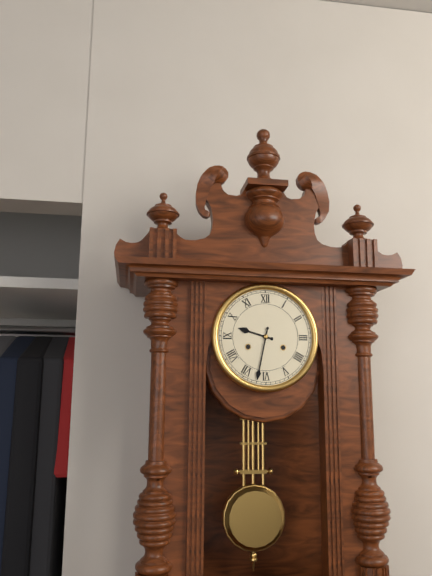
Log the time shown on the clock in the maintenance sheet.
9:32
